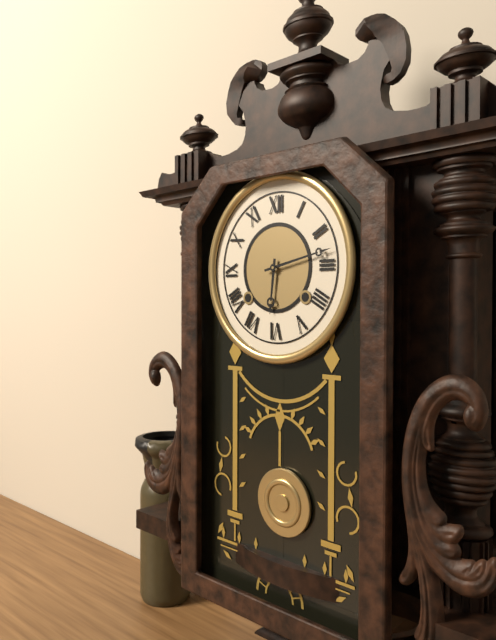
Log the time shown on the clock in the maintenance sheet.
6:13
